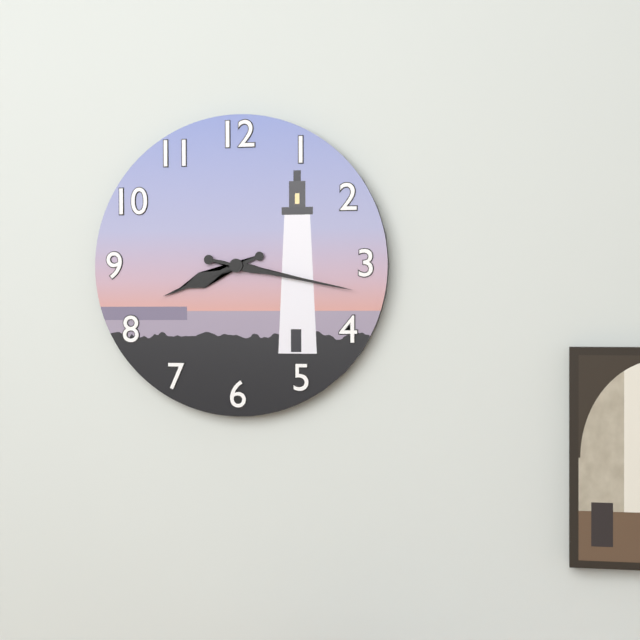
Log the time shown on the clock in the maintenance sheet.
8:17
